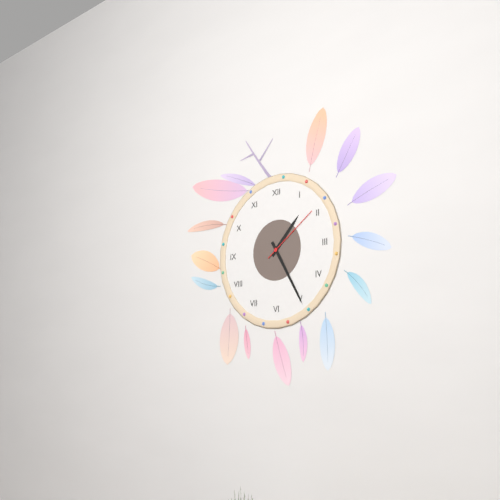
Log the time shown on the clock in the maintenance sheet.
1:25:09
